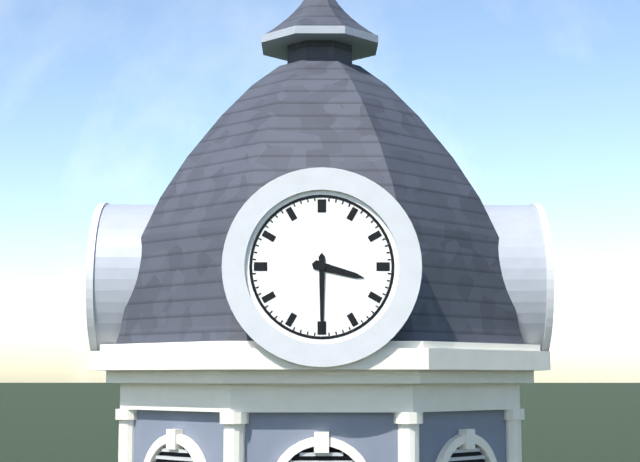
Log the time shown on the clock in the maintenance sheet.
3:30
